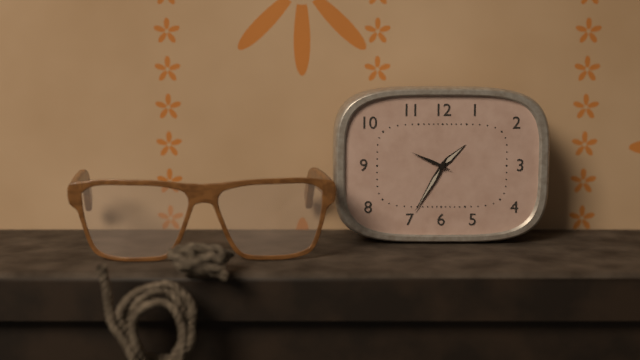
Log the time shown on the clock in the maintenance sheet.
1:35
